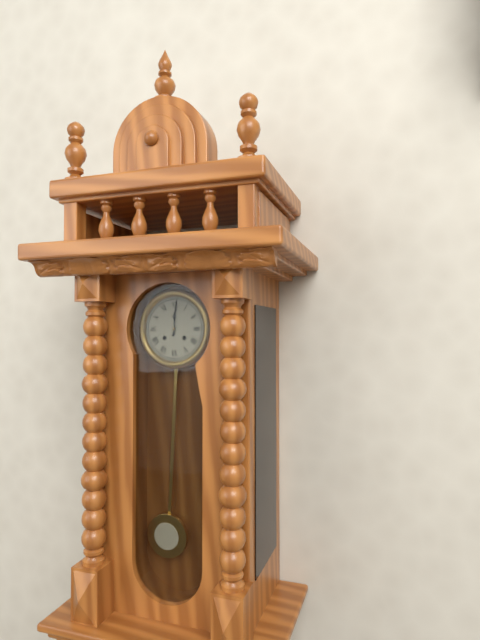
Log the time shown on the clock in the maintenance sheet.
12:01
